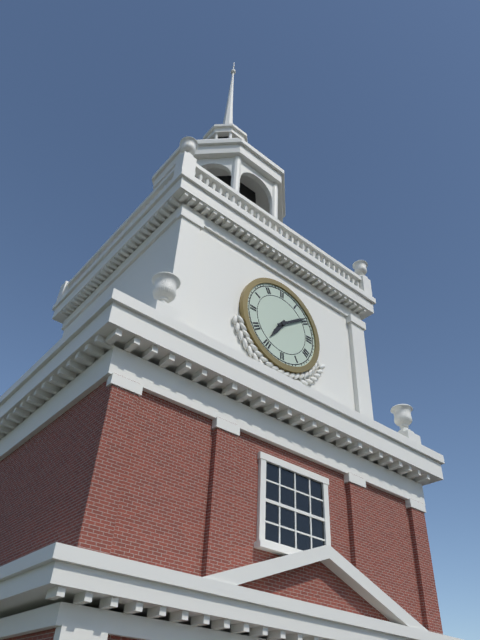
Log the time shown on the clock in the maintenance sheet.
7:09
